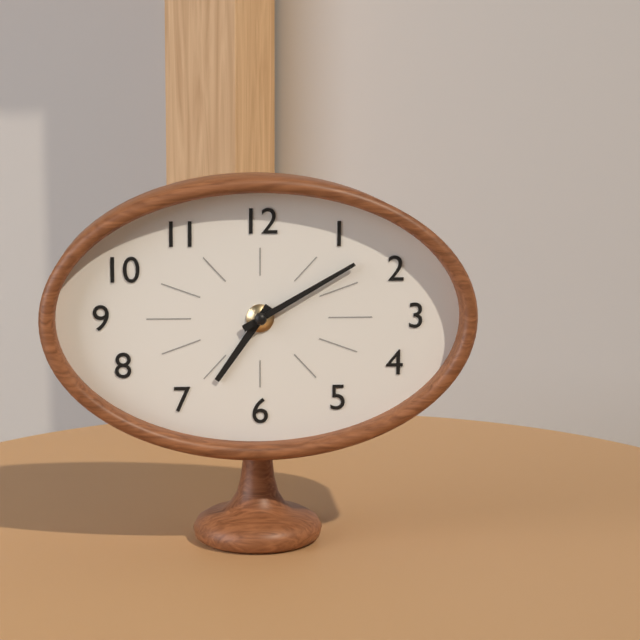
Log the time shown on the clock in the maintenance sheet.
7:10
